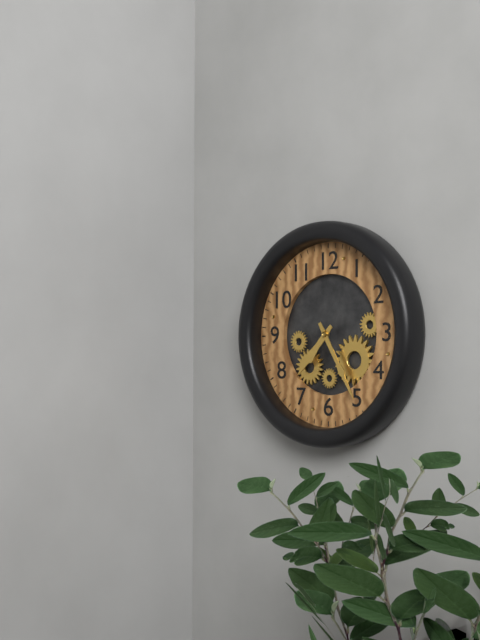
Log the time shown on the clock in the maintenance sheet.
7:25
